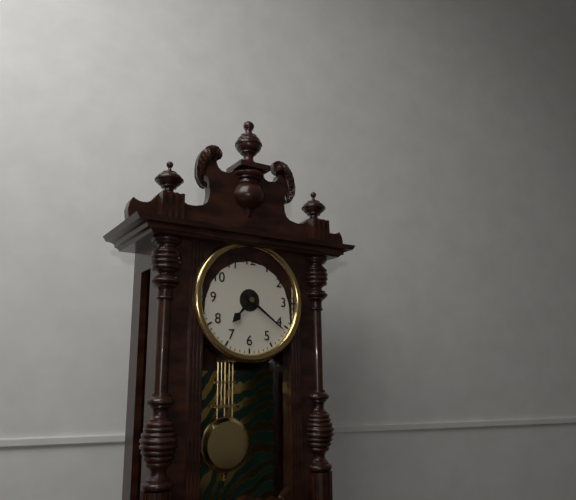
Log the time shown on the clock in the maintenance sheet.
7:21
